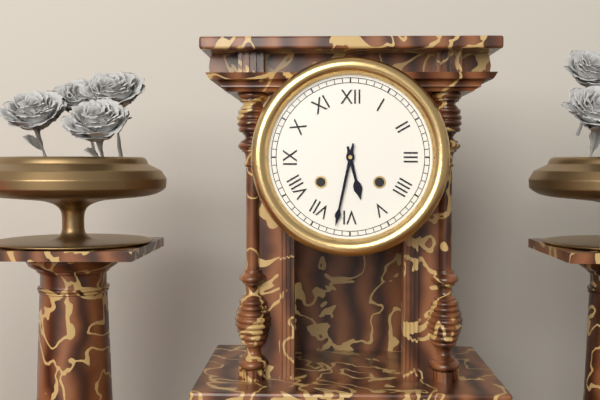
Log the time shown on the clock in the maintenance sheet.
5:32
